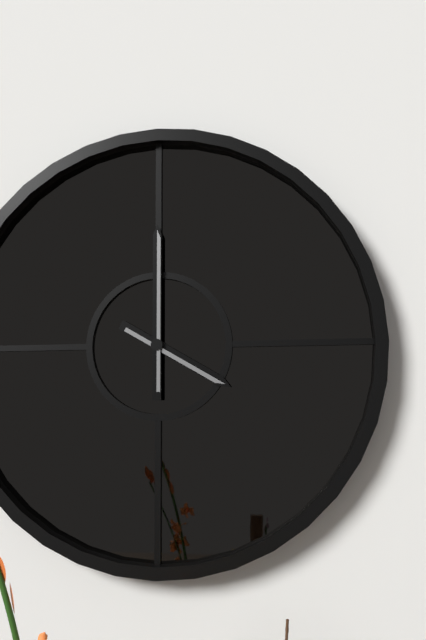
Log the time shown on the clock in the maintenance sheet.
4:00
